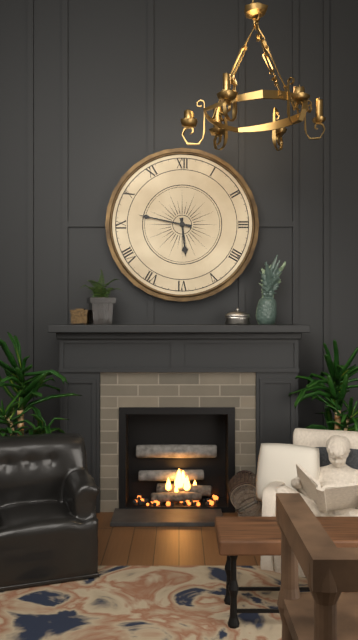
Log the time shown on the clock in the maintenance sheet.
5:47
